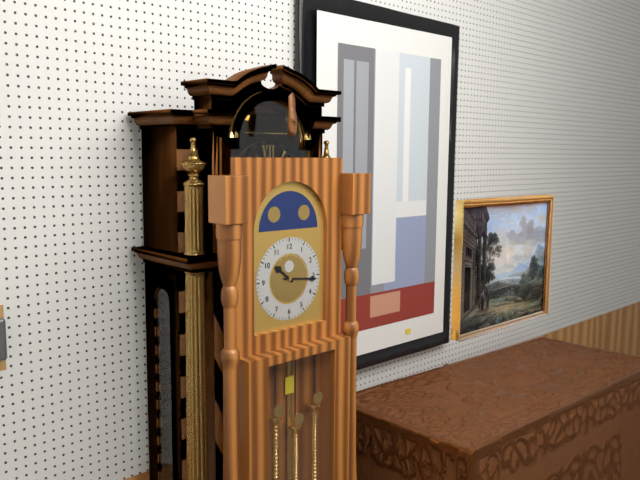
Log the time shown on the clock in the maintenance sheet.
10:16
